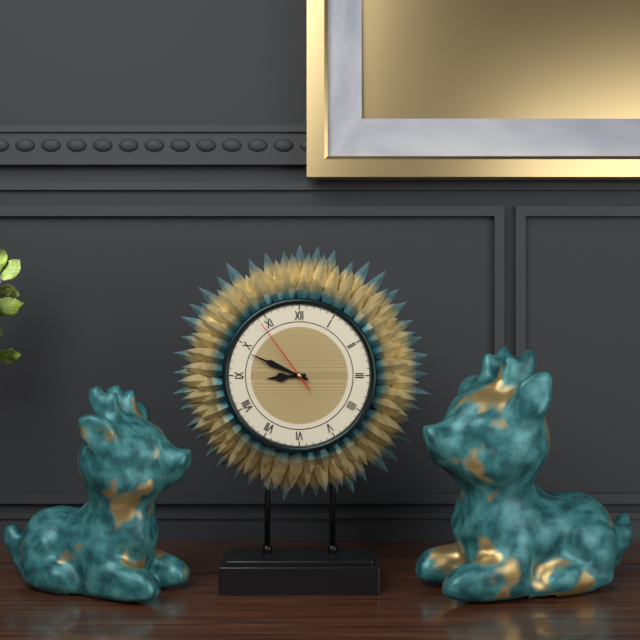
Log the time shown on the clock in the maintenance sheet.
8:49:54
